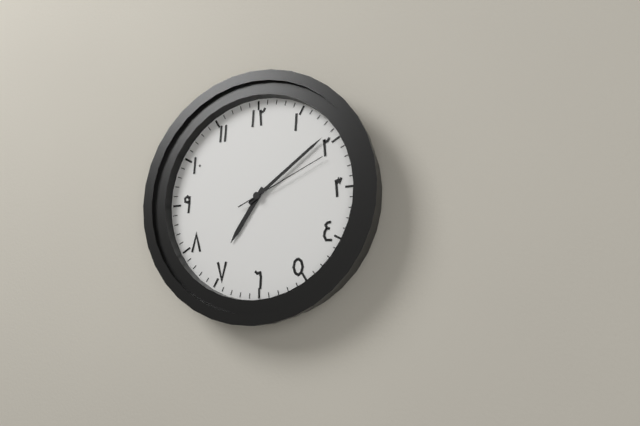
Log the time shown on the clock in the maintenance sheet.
7:09:11
